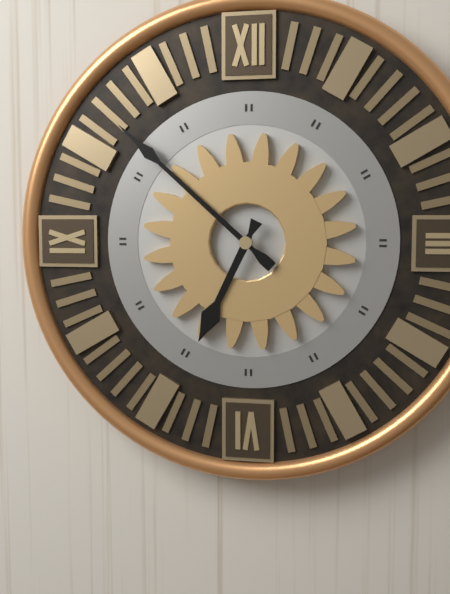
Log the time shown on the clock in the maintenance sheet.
6:52
